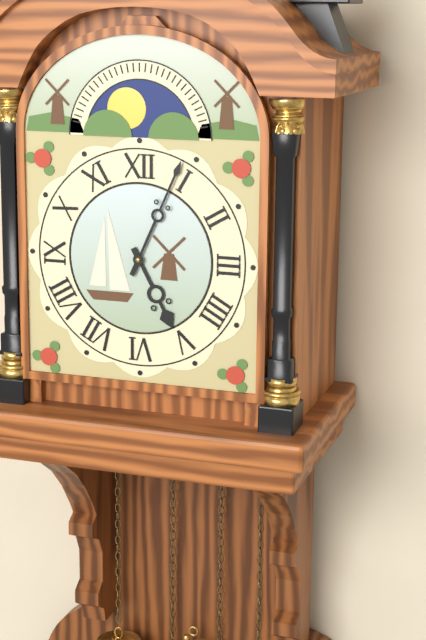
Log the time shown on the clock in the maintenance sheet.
5:04
